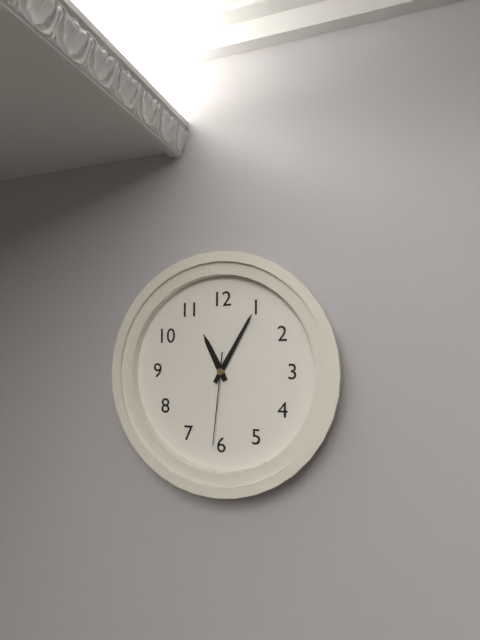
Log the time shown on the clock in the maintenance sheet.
11:05:31
